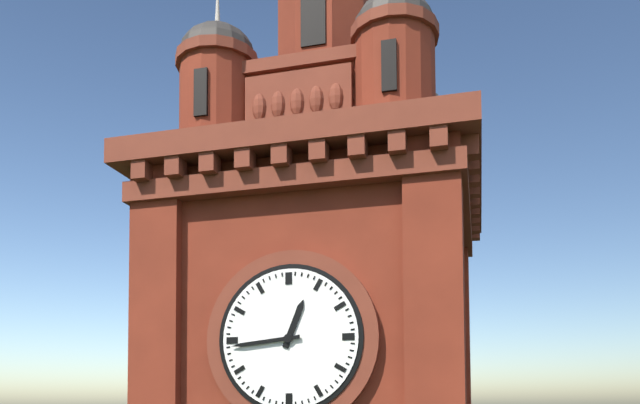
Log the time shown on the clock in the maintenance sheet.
12:44
